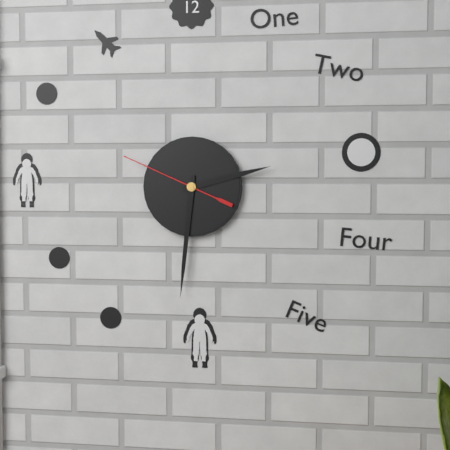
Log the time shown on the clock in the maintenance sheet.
2:31:49
